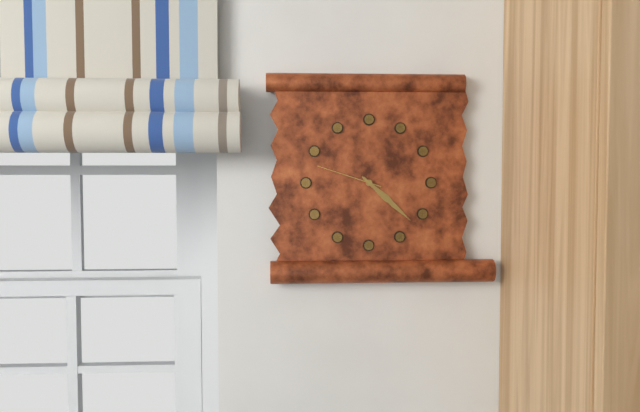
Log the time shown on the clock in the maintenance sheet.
4:22:48
